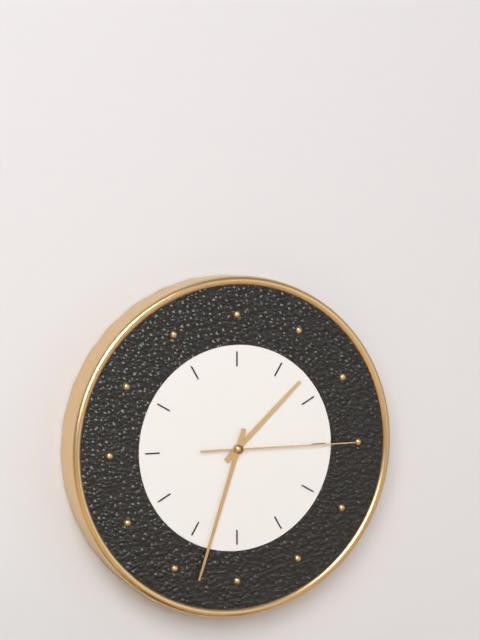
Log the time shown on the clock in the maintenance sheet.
1:33:15
